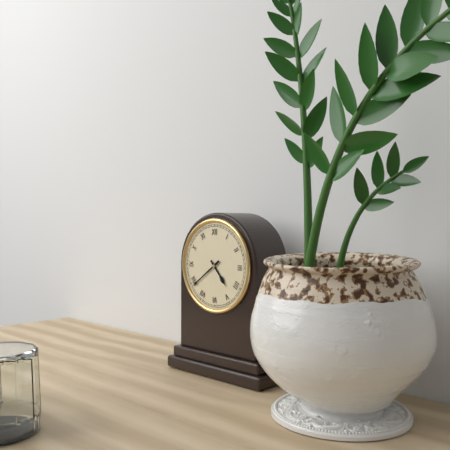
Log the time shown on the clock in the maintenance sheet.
4:39
